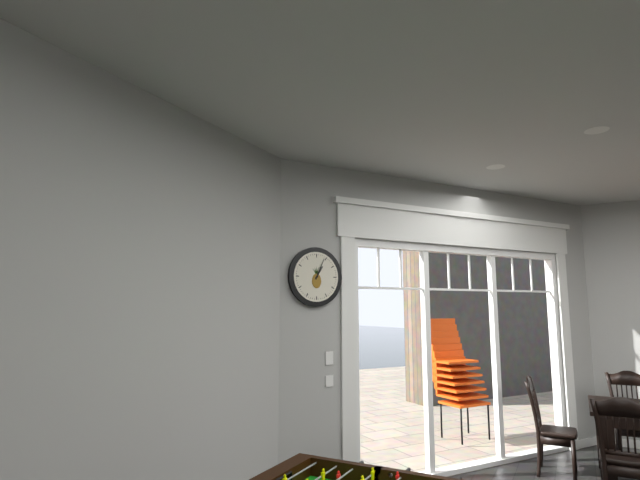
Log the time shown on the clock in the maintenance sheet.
1:04
